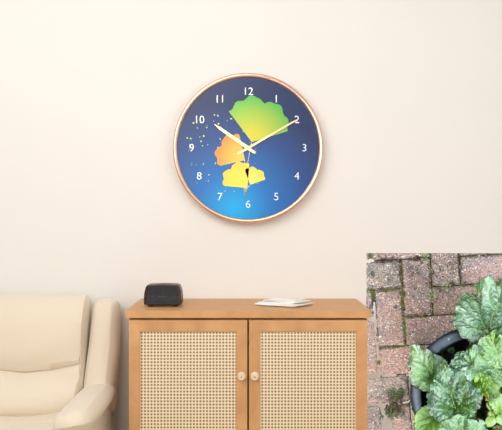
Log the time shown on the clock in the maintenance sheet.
10:10
